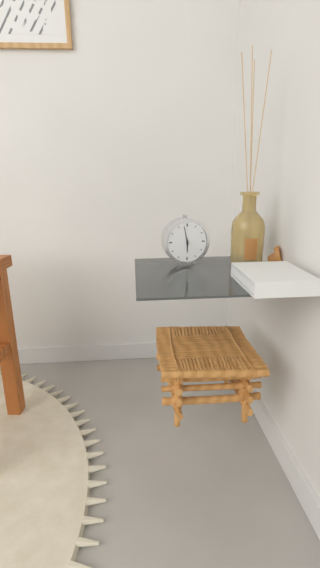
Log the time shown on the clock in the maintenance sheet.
5:58
